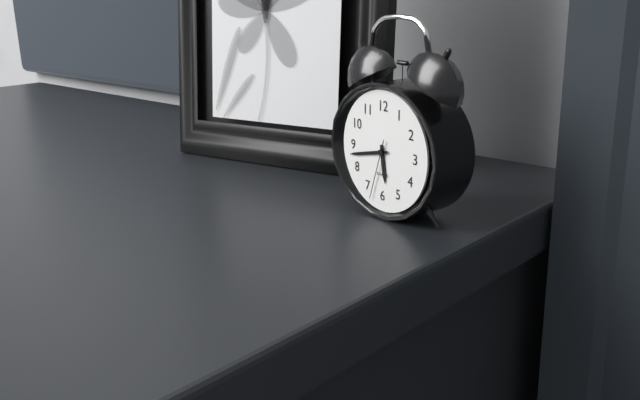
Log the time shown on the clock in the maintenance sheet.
5:43:33
